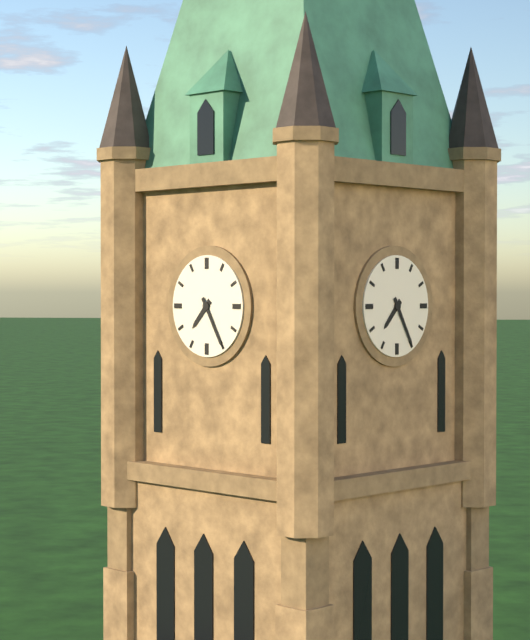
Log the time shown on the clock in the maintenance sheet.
7:25
